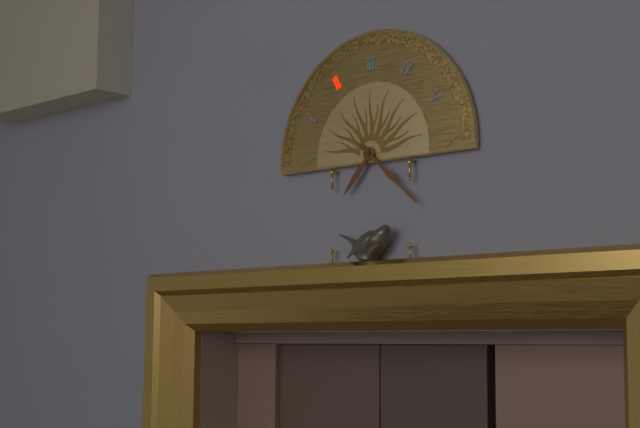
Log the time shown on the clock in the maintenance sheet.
7:22
